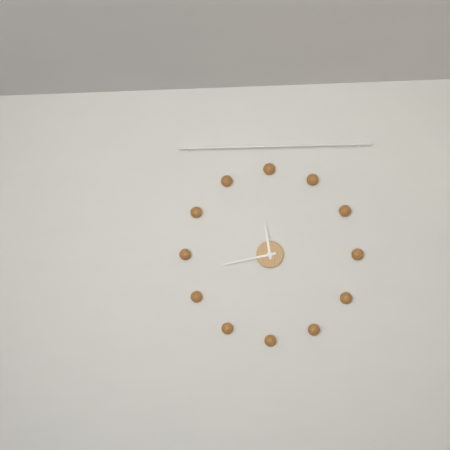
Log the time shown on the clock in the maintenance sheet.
11:43
